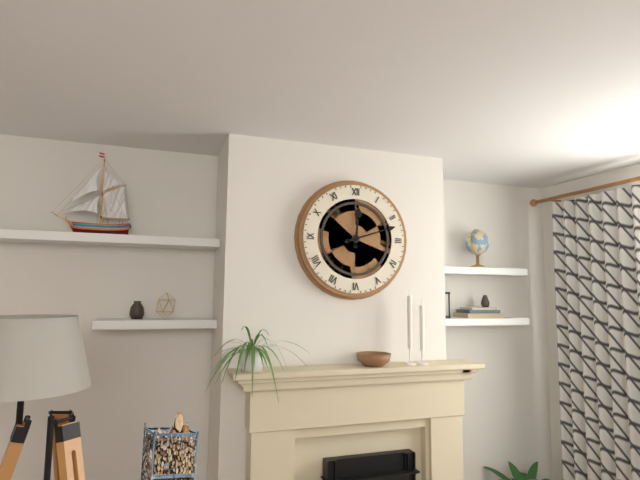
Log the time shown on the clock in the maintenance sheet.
12:12
